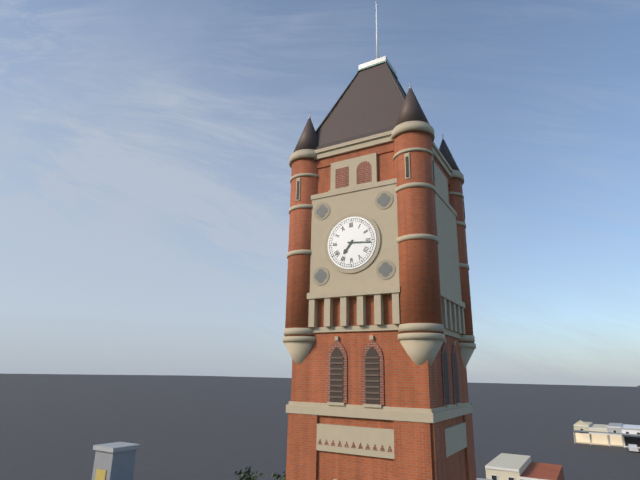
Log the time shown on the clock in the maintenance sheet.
7:16
